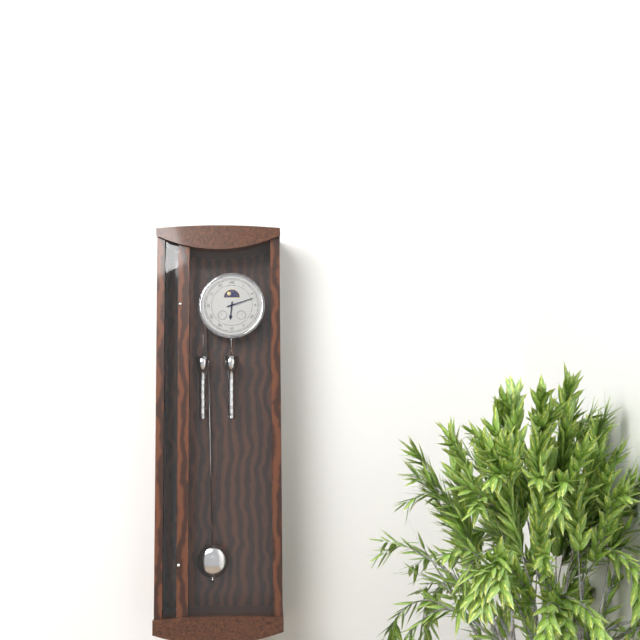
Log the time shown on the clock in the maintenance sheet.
6:12
